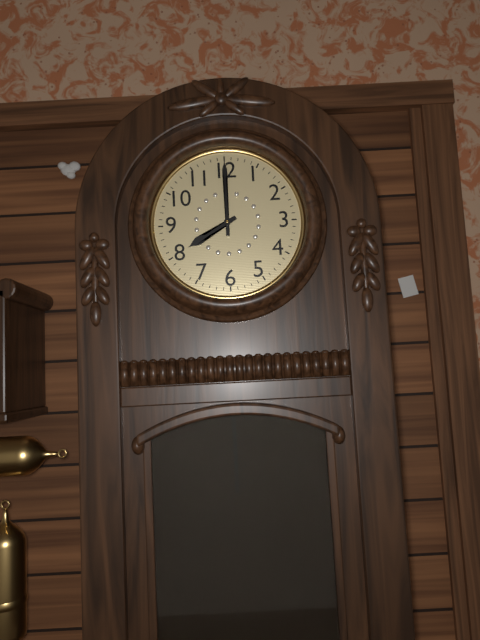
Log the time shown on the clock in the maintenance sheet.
8:00
